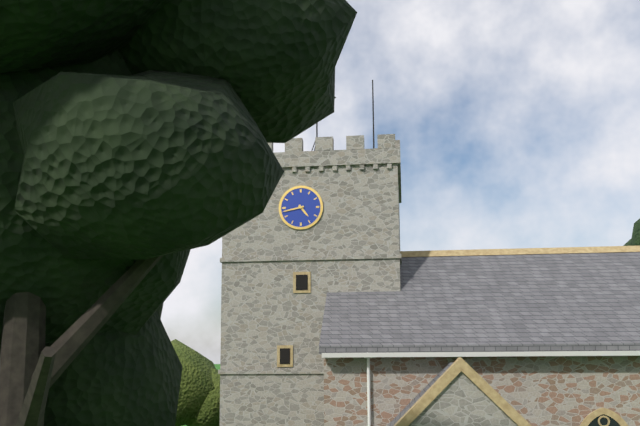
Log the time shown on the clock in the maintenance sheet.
4:43
